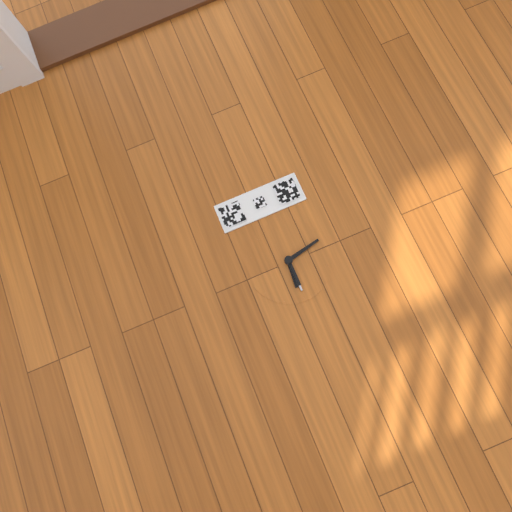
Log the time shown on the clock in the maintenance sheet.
6:13
